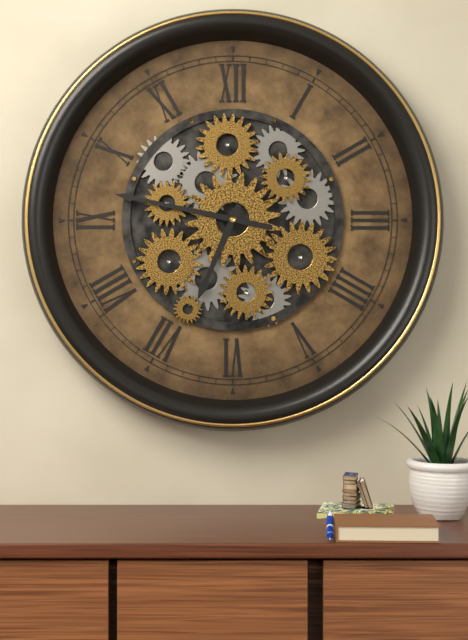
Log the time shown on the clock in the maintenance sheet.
6:47
